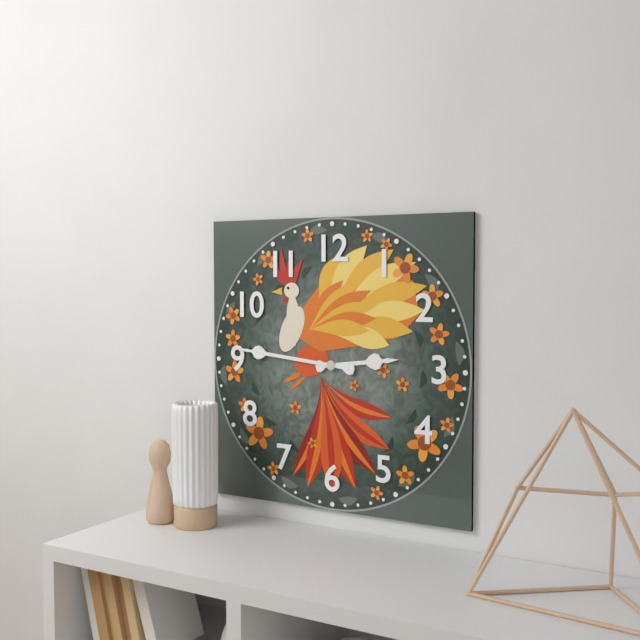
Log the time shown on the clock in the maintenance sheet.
2:46
